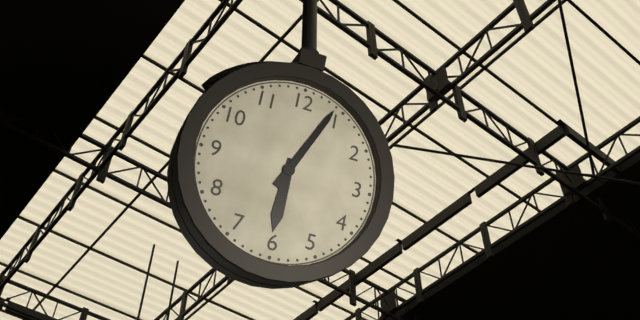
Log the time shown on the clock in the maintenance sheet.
6:04
